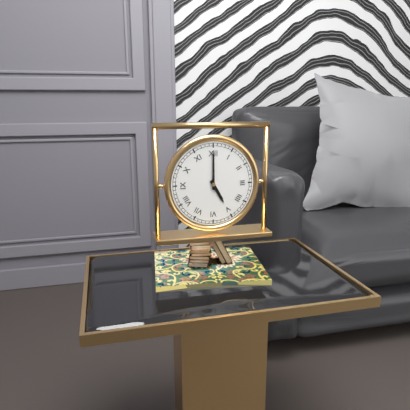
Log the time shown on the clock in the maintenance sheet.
5:00
